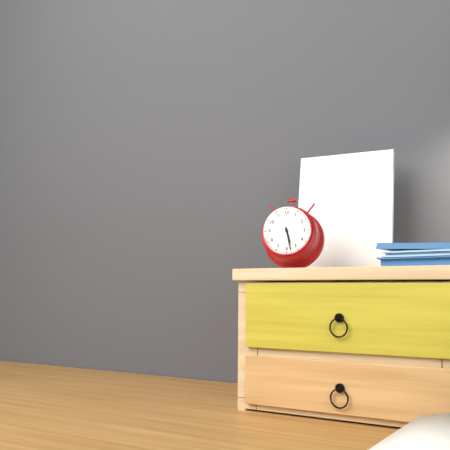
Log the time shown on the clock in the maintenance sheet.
5:28
